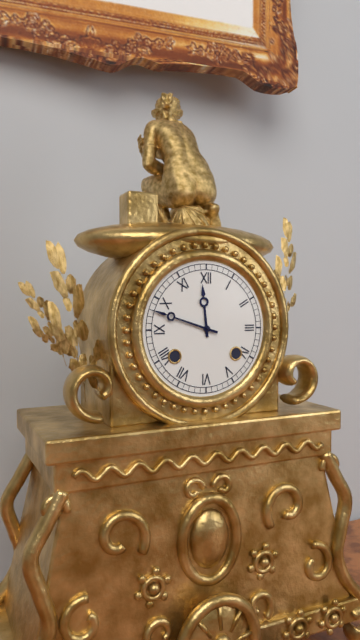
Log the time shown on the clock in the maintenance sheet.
11:48
